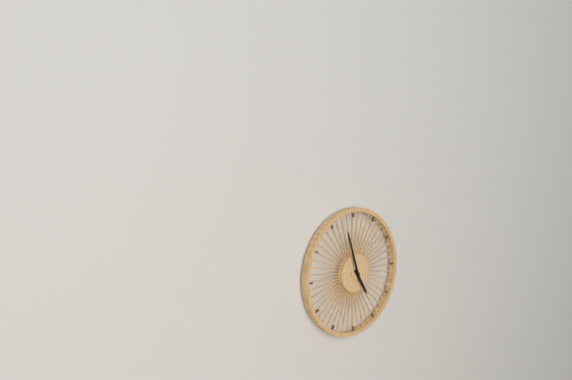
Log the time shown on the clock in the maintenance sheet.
4:57
